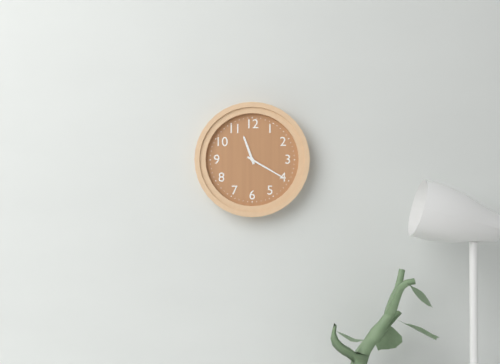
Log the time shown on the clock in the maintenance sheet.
11:20
